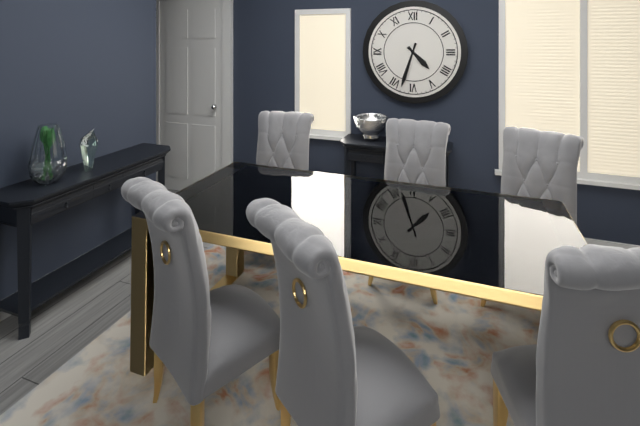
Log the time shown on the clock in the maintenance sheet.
4:33
